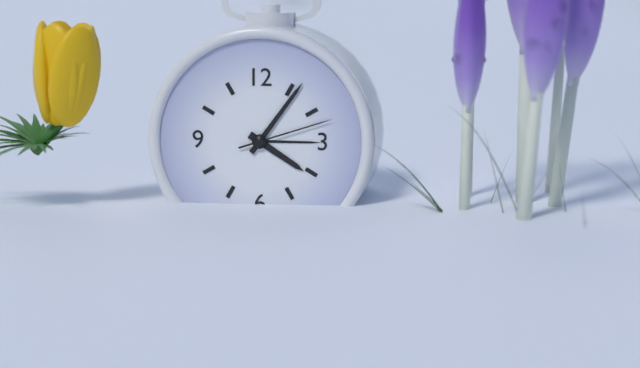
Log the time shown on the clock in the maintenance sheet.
4:06:12
